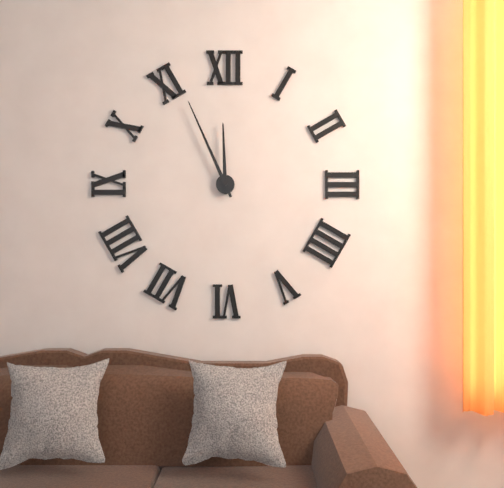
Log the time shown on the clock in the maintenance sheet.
11:56
